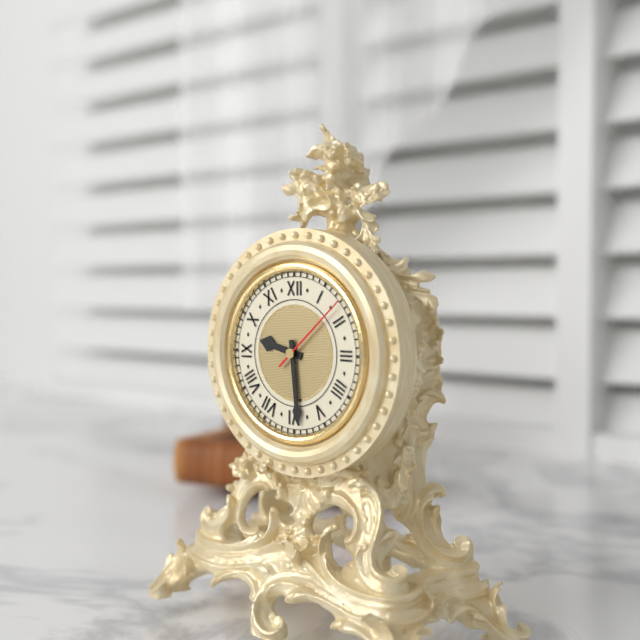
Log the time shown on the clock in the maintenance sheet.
9:29:08
